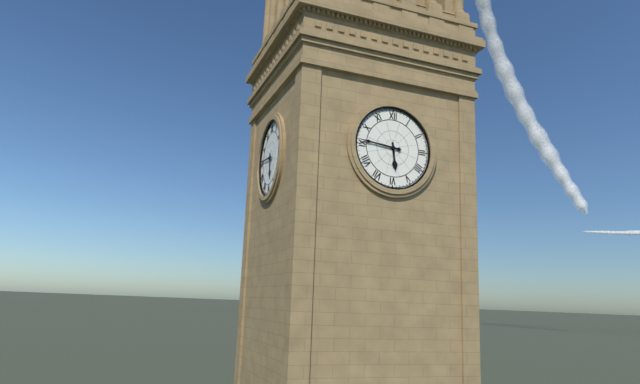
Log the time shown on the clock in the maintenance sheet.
5:46
